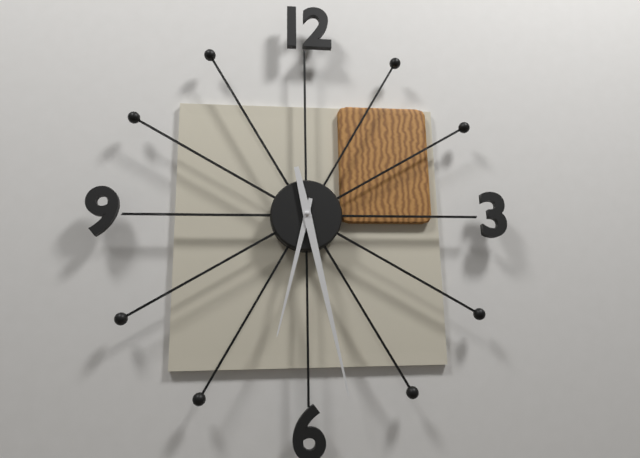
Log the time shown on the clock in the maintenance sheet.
6:28
